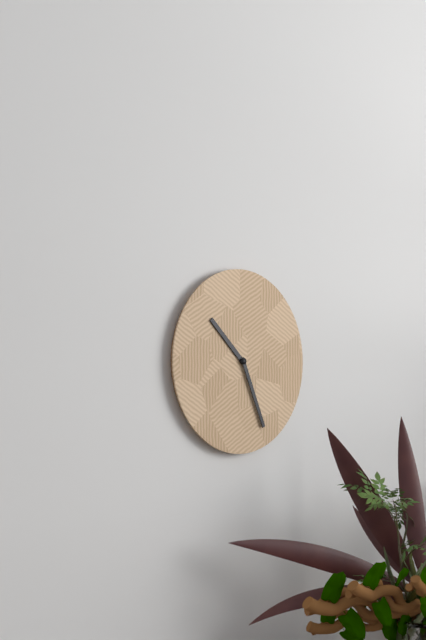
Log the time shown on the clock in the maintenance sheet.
10:26
